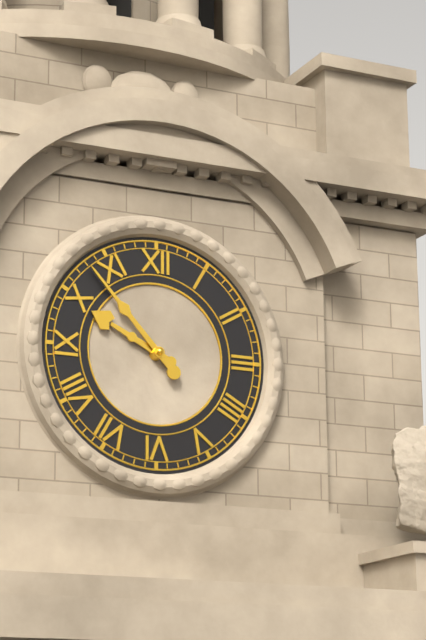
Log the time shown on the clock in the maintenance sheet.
9:53
